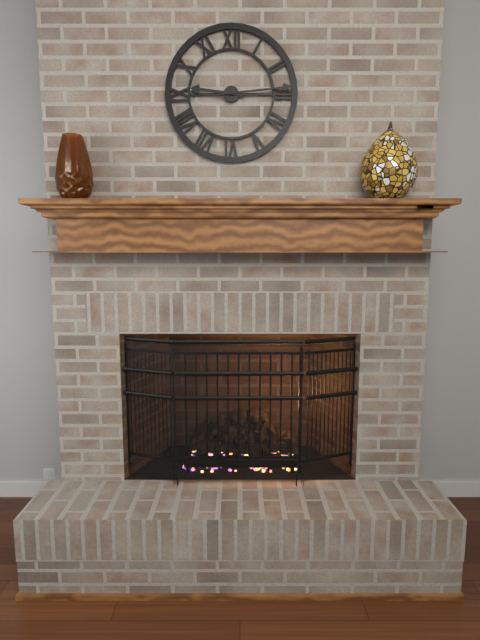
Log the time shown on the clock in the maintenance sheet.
9:14
